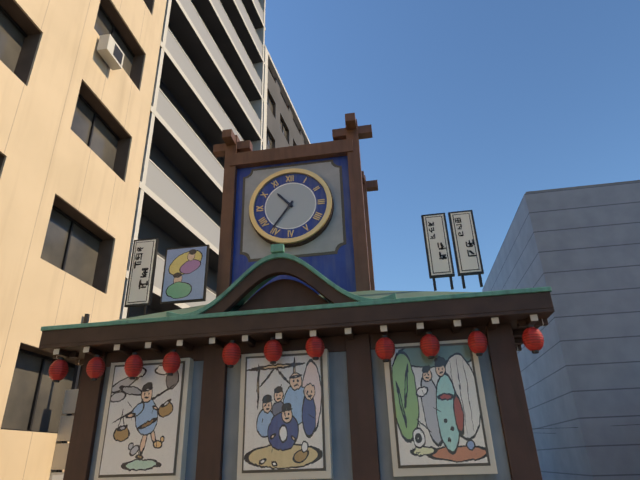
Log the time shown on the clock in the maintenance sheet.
10:36
